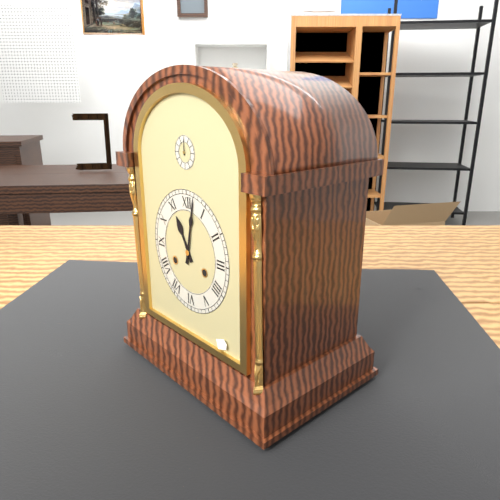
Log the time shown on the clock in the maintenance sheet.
11:02
